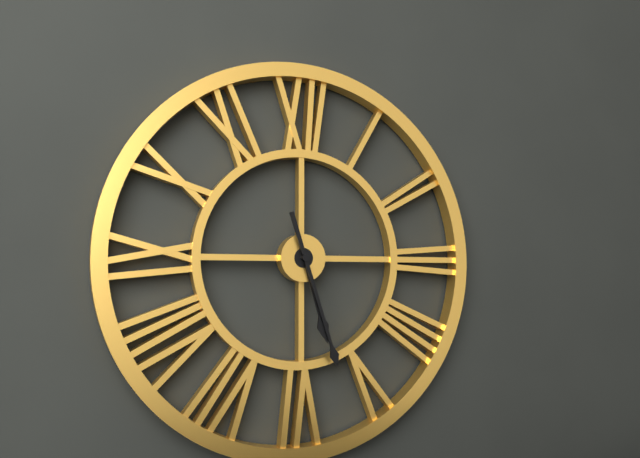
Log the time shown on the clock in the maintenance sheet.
5:27
